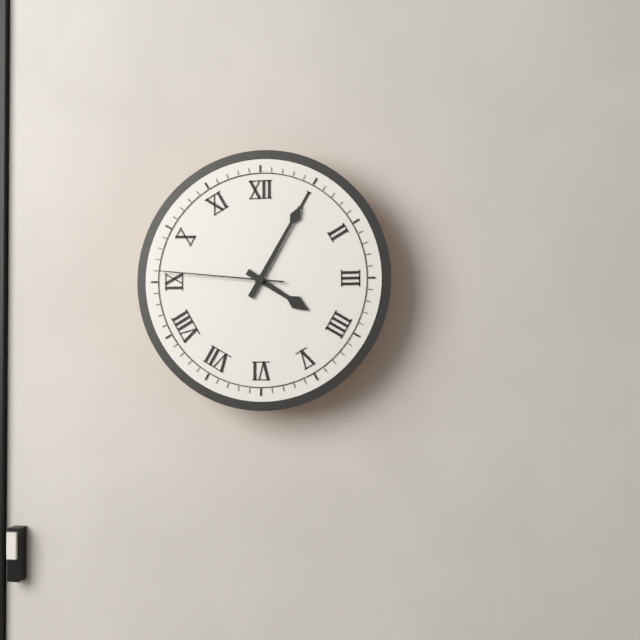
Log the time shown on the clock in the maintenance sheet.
4:05:46
